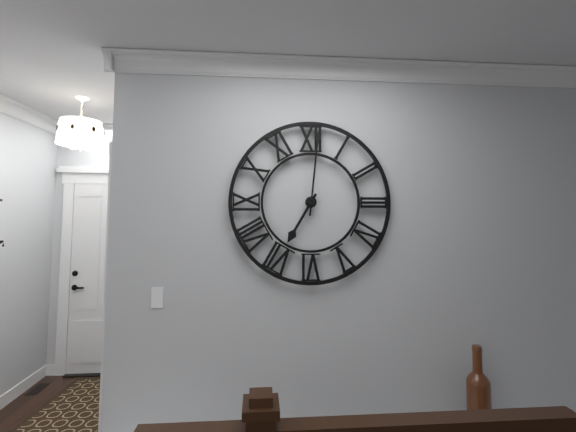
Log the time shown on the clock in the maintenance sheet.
7:01
